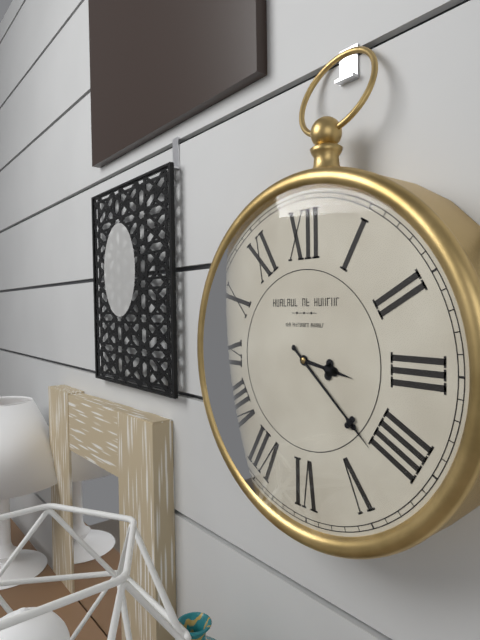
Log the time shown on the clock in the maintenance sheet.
3:22
